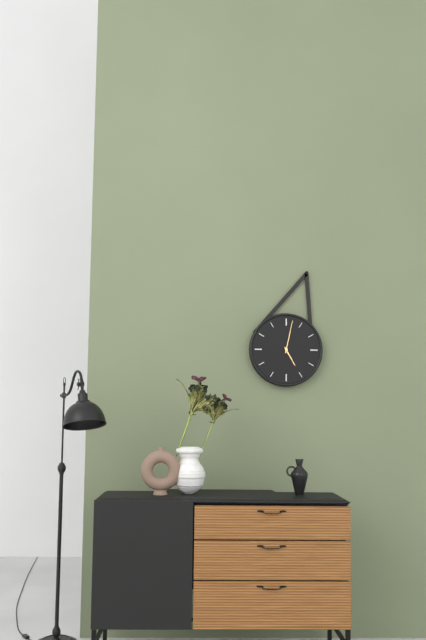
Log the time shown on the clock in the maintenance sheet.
5:02
